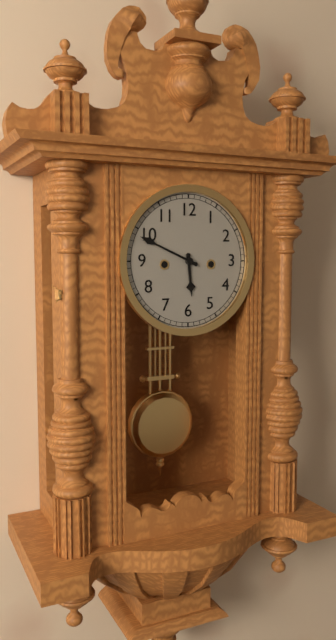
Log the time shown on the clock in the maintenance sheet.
5:49
